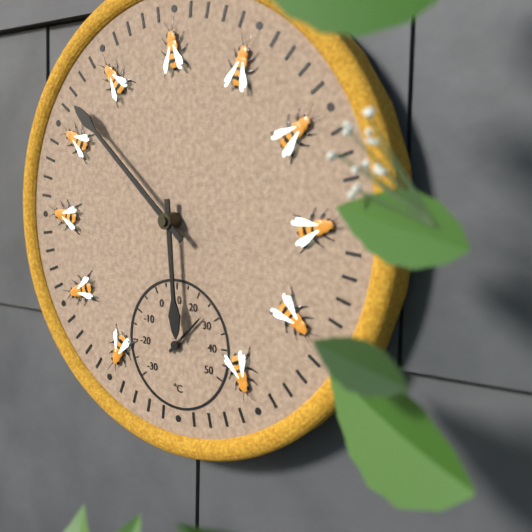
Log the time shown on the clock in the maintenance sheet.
5:52
